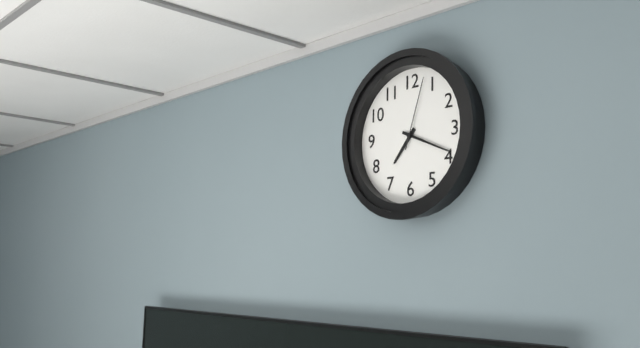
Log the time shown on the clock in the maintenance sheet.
7:19:03
